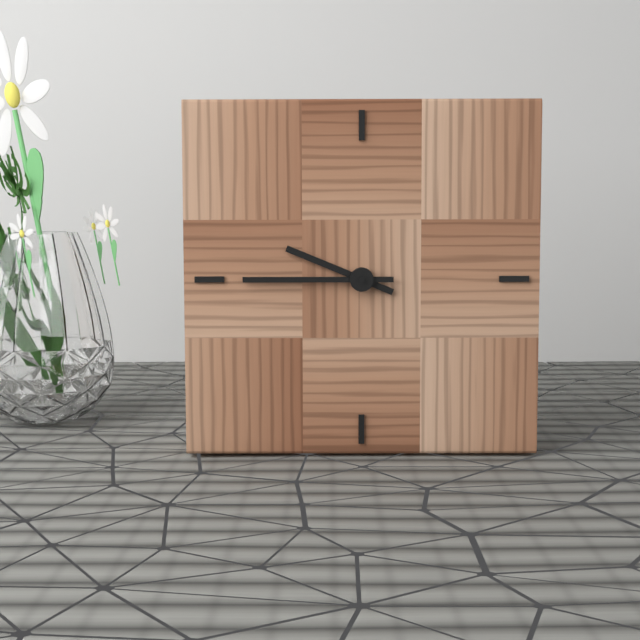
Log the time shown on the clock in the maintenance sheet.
9:45
